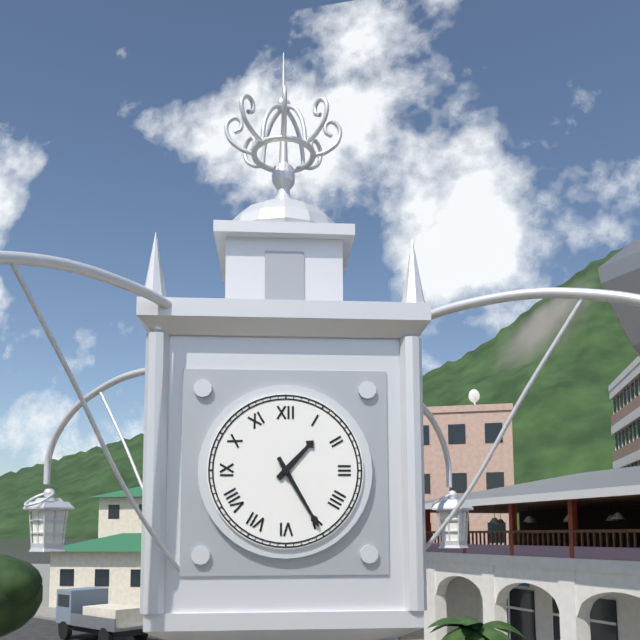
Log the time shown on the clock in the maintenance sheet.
1:25
